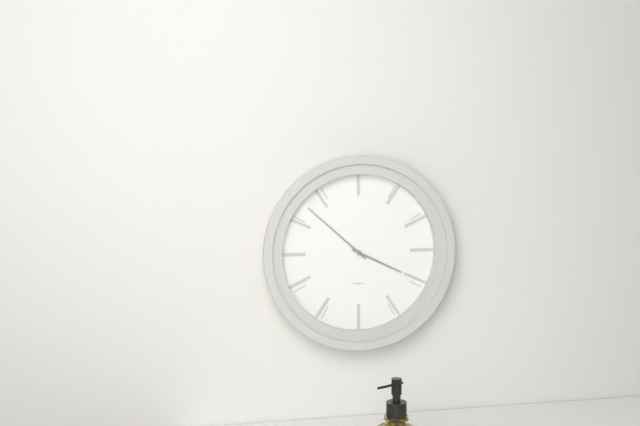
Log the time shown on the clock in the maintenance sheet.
3:52
